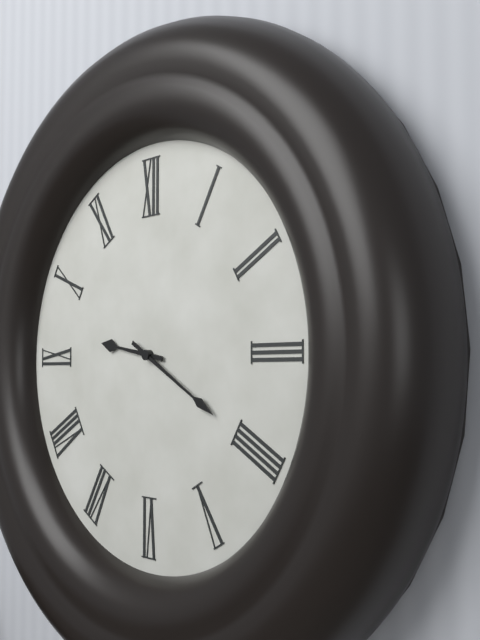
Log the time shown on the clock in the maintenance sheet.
9:20
